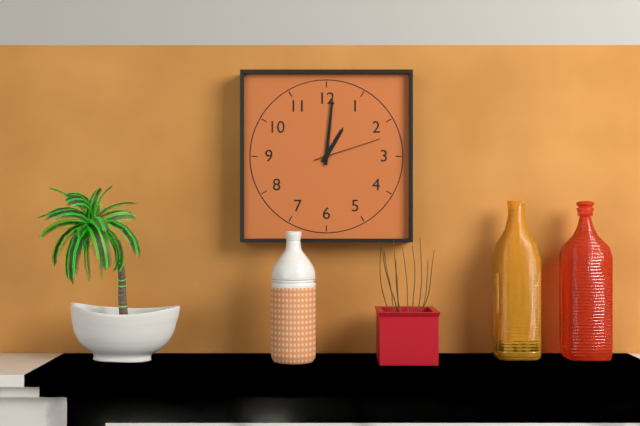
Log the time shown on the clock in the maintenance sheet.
1:01:12
